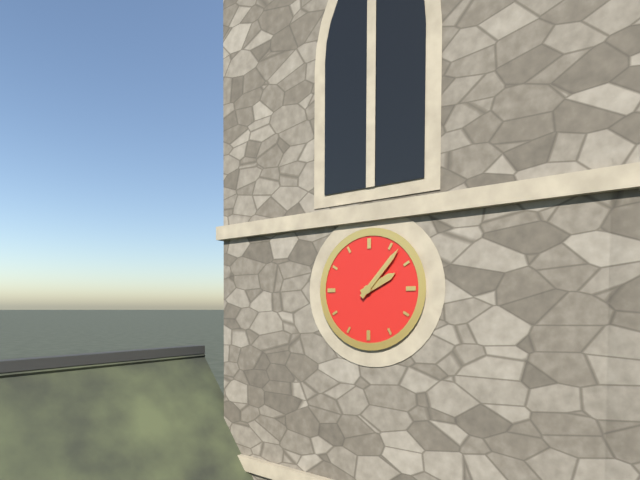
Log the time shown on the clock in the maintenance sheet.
2:07
